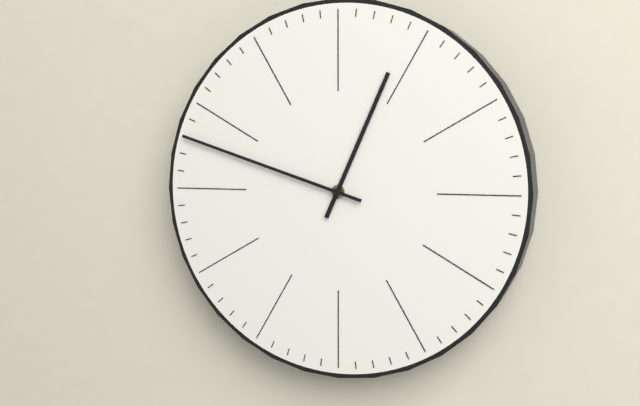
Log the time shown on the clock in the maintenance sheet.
12:48
